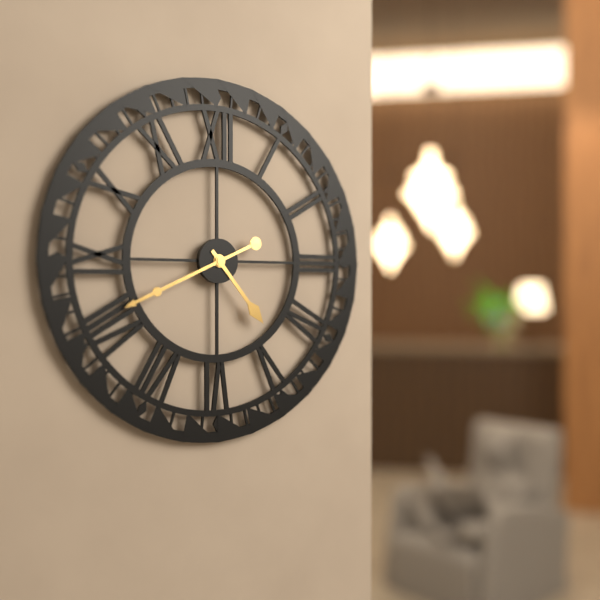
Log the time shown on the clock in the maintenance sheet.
4:41
